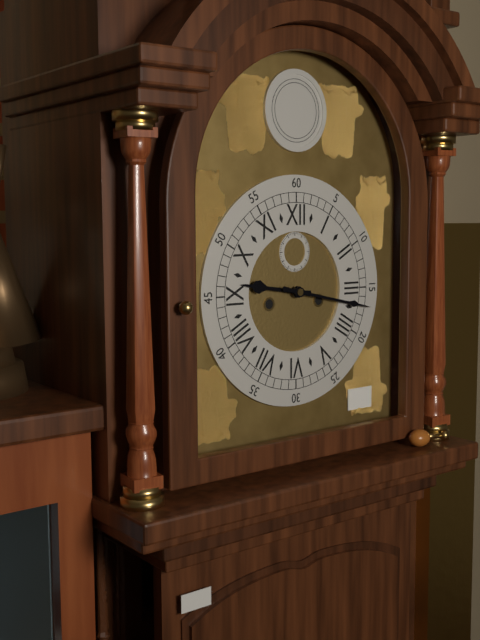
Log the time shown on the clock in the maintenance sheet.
9:17
